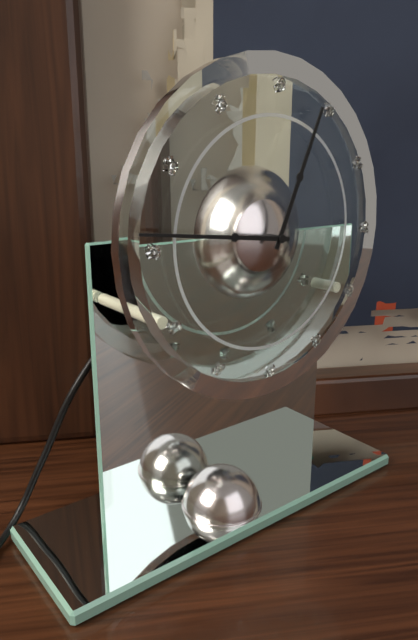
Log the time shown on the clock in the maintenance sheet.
12:46
